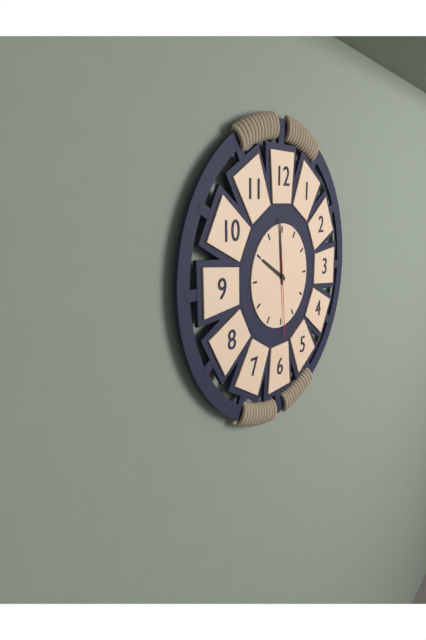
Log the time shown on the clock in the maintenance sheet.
9:59:29
